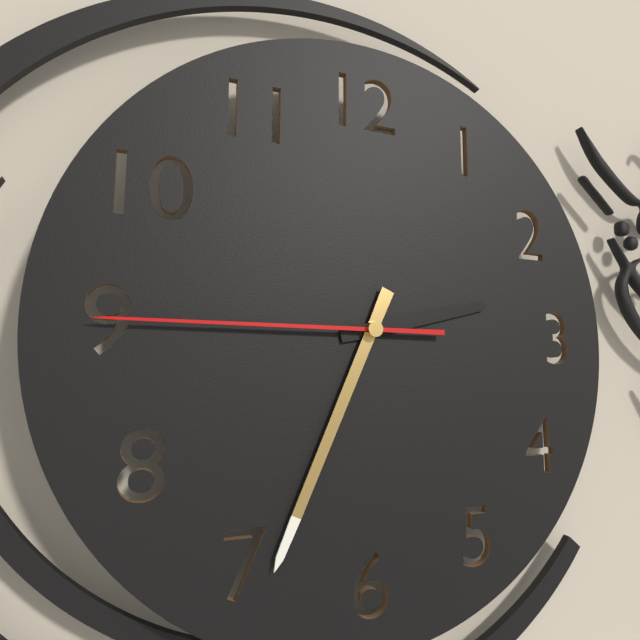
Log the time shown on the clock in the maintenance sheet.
2:34:45
